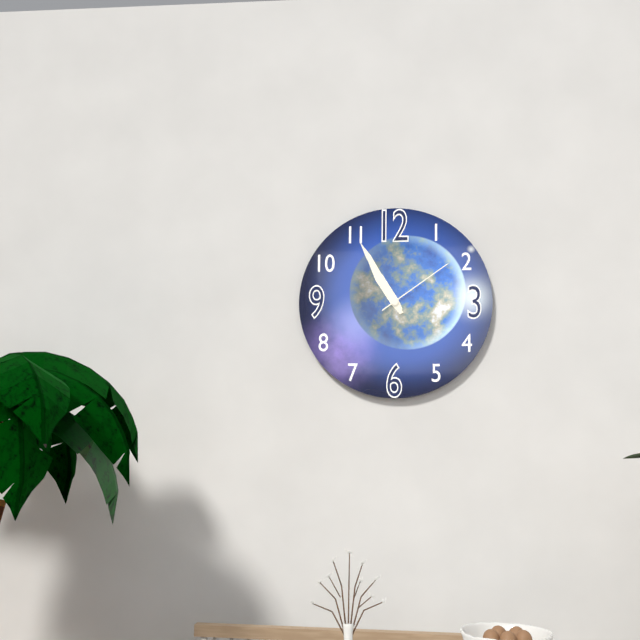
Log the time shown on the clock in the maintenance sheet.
10:55:09
